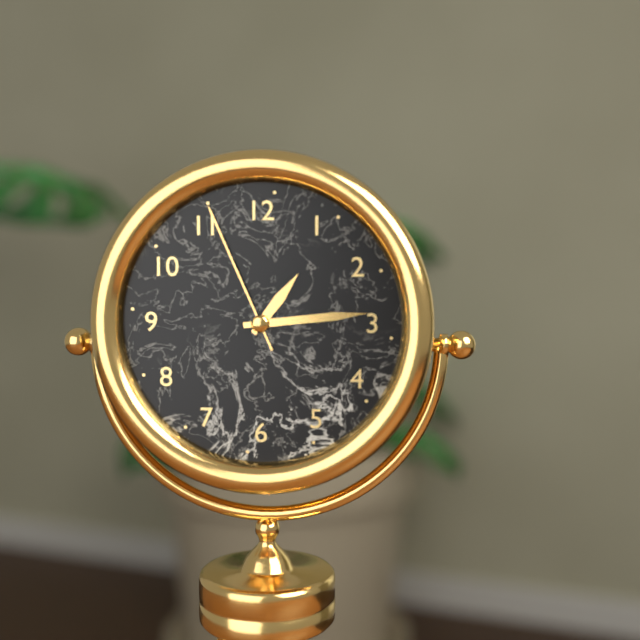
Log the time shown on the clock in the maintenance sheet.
1:14:56
